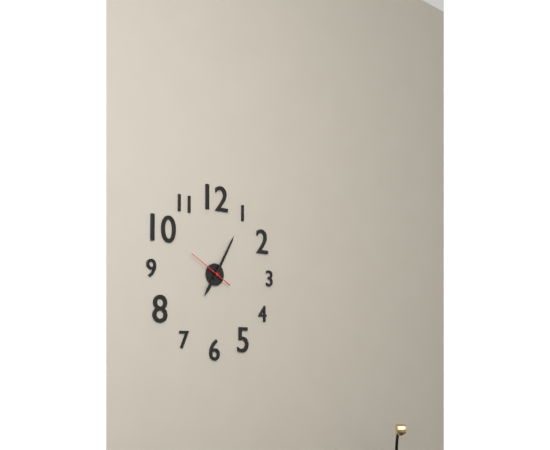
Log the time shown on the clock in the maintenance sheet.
7:05
